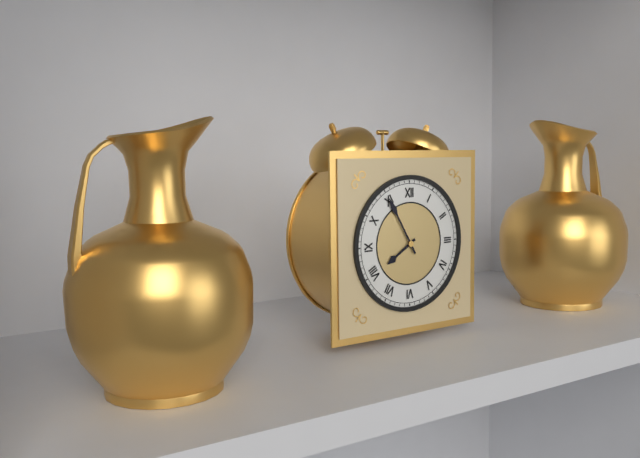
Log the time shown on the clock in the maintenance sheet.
7:55
